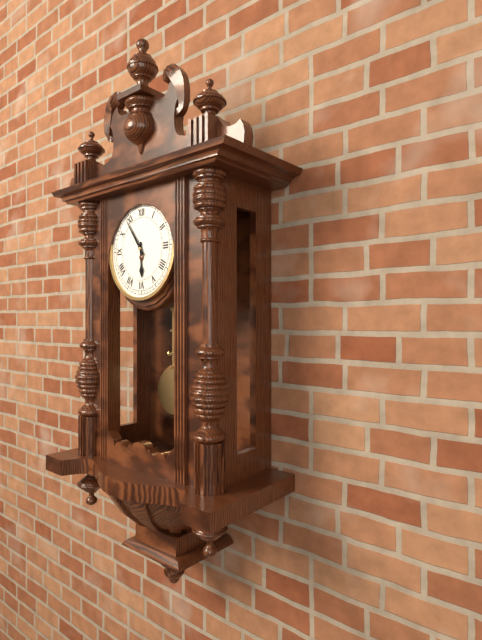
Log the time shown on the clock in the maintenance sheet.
5:54
